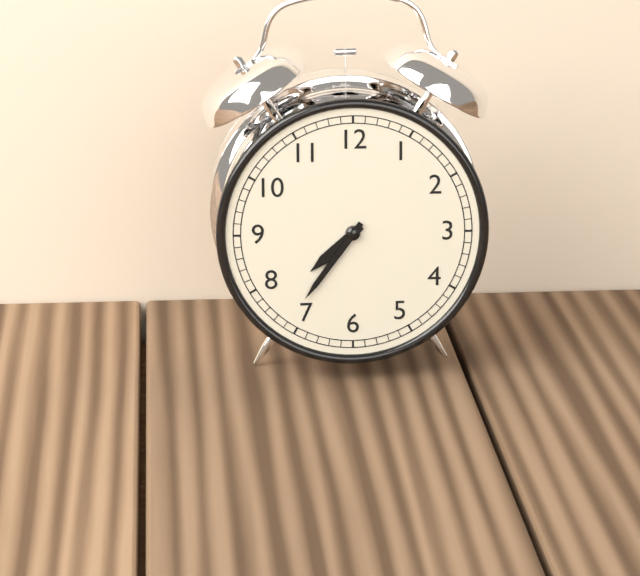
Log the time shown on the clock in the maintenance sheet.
7:36
